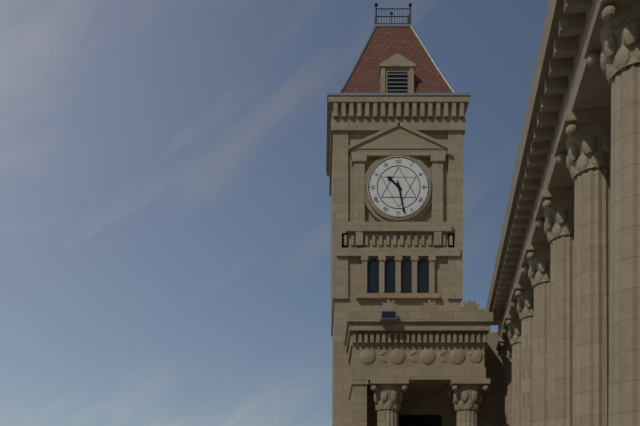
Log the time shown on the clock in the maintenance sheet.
10:28
